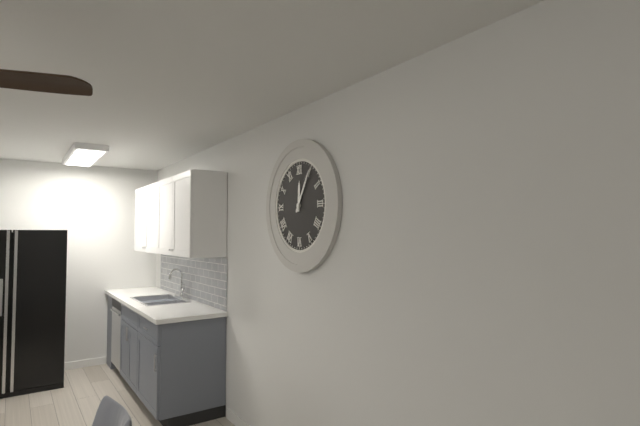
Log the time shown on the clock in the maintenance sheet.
12:05
